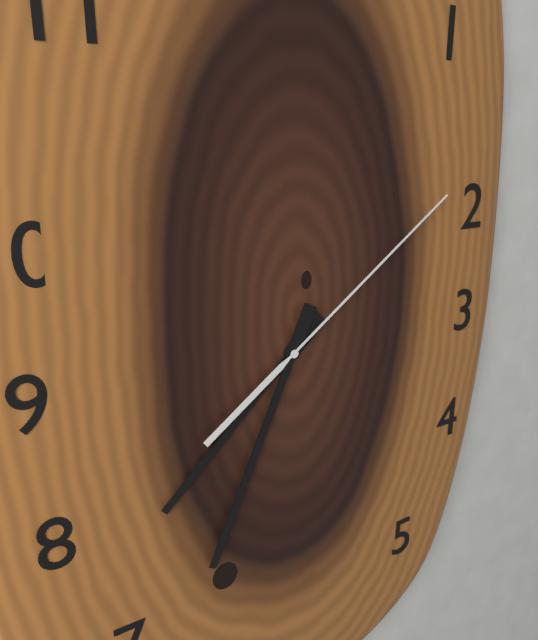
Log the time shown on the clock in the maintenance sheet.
7:34:09
